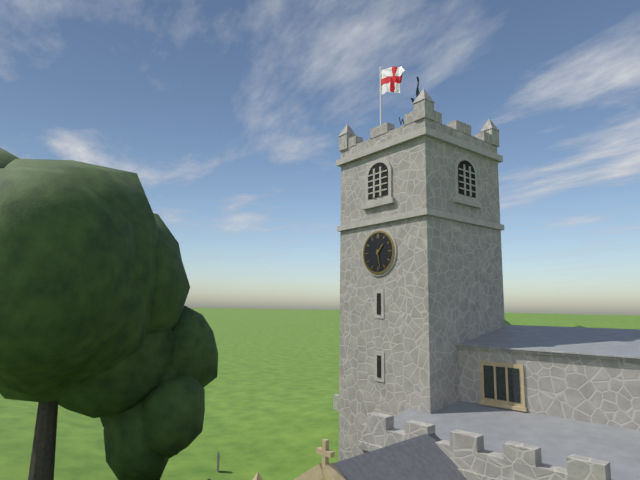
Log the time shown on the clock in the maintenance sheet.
1:28
